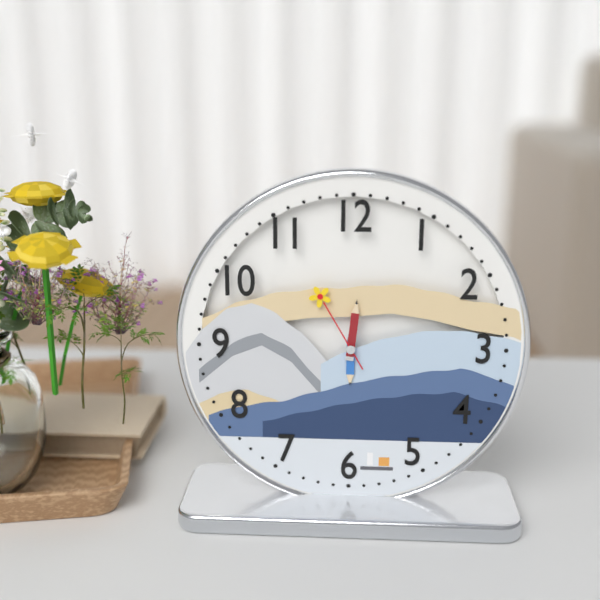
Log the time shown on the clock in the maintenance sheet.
6:01:55
